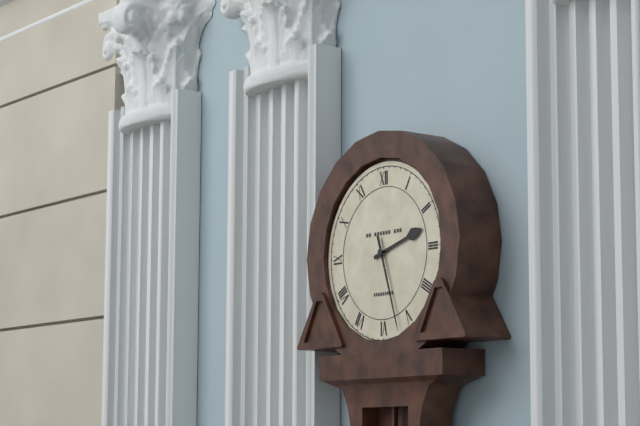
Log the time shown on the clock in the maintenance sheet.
2:27
